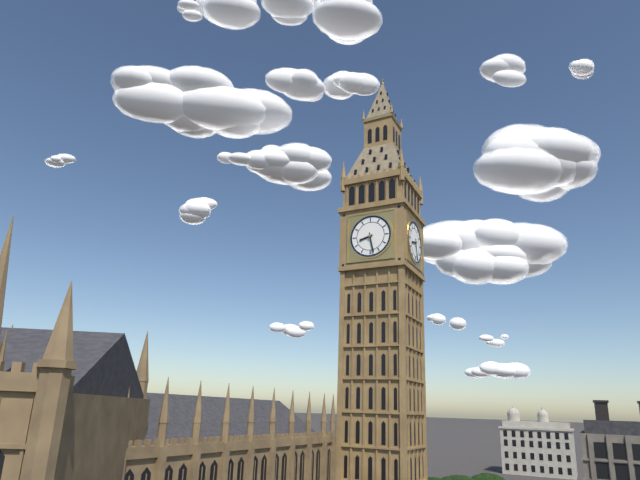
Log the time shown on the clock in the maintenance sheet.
8:28
